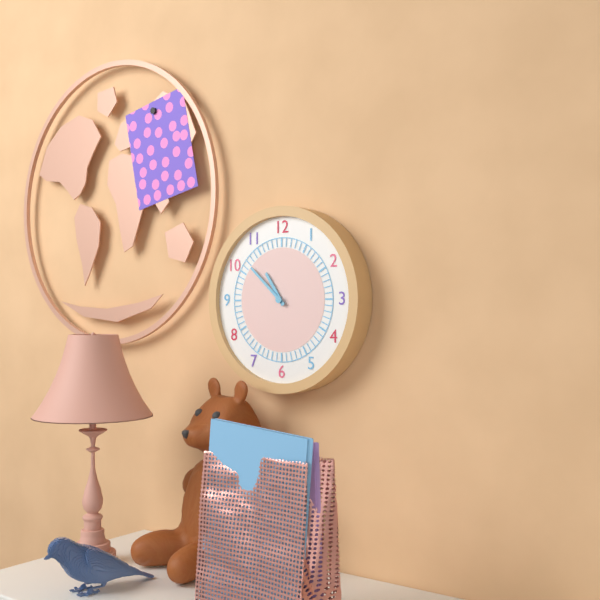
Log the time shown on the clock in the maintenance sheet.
10:52
